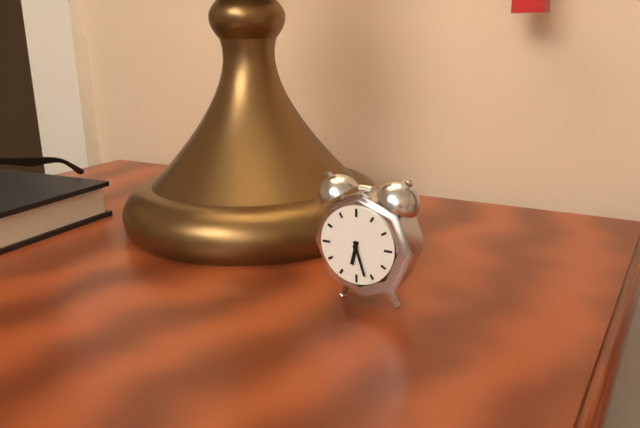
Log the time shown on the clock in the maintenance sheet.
6:27
